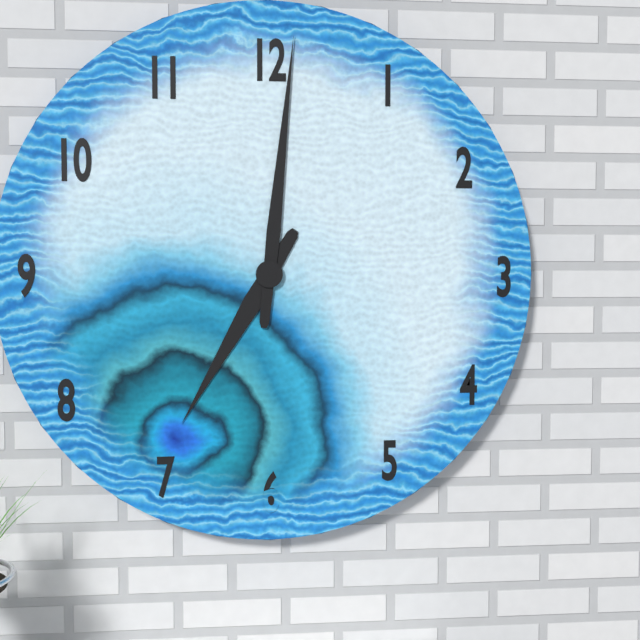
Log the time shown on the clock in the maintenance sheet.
7:01
